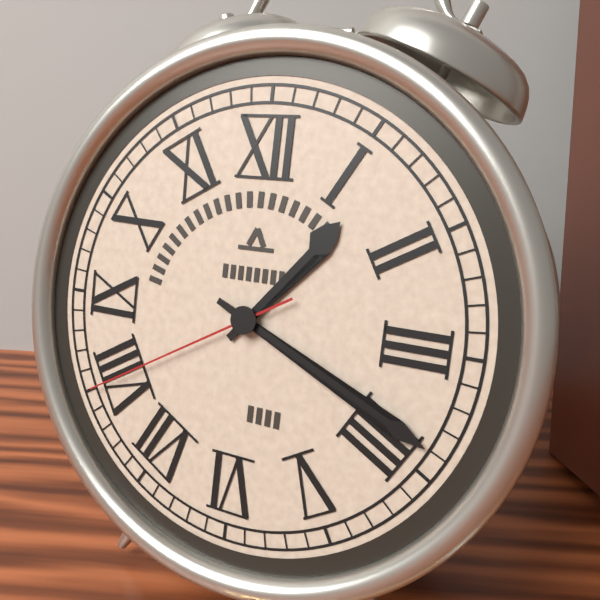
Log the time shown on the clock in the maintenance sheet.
1:19:40
